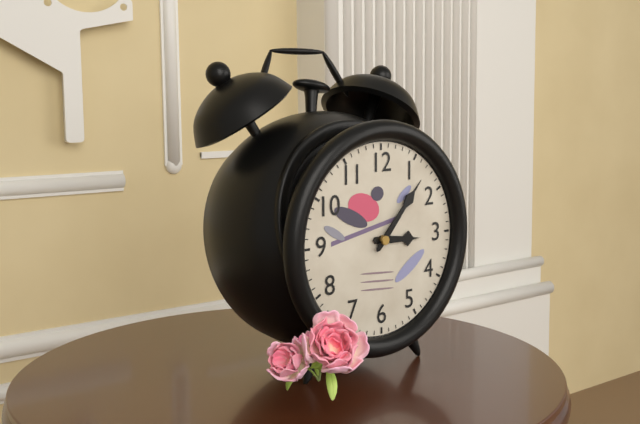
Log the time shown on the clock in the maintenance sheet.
3:07
